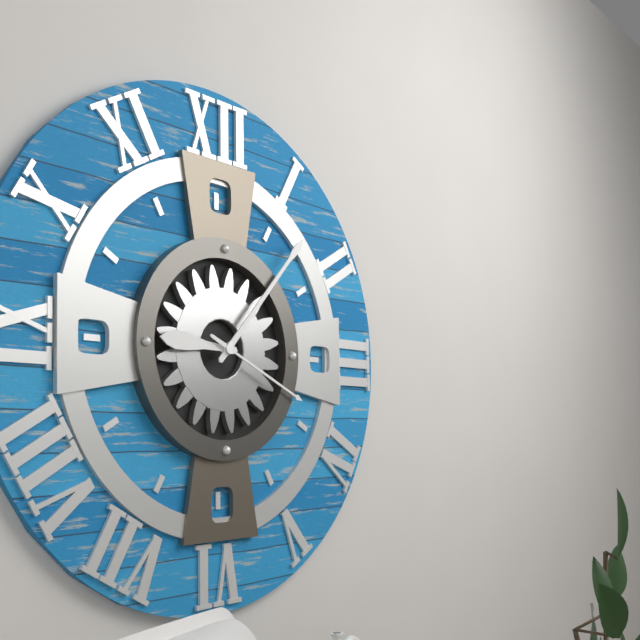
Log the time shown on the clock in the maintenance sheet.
9:07:19
